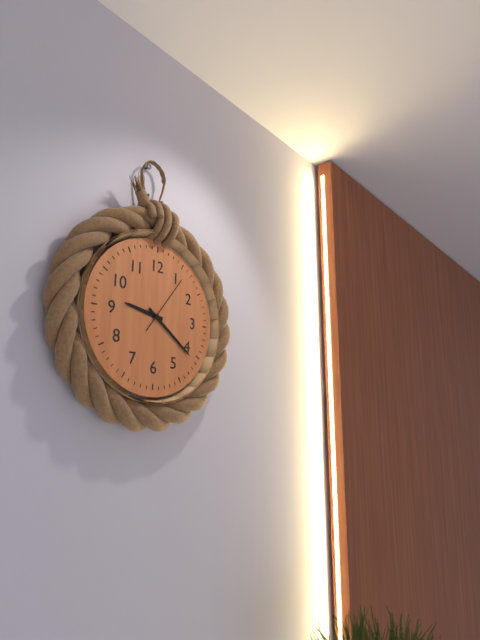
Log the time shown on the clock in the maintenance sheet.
9:21:06
